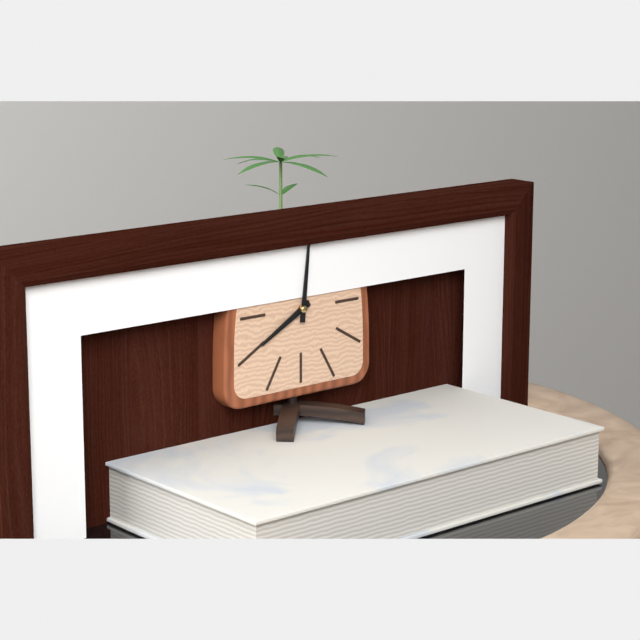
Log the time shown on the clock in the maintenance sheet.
8:01
